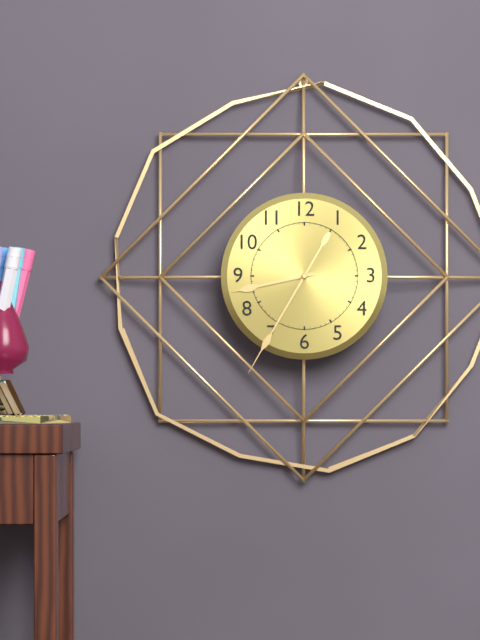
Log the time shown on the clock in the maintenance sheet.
8:35
